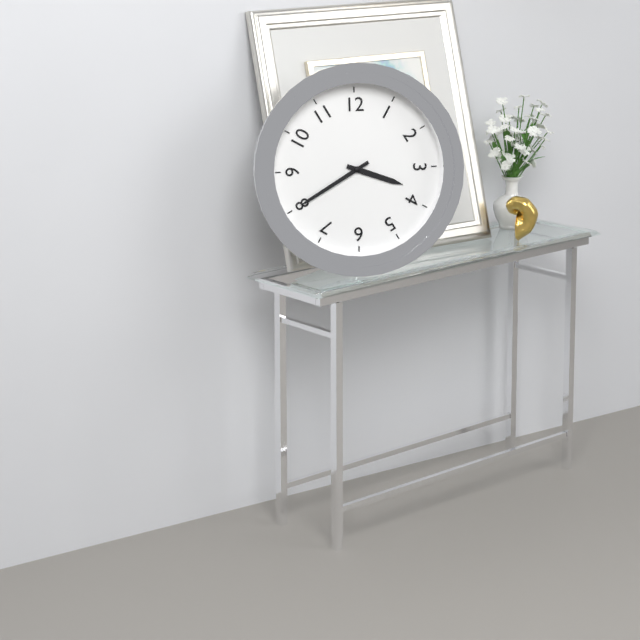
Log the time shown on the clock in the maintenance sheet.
3:40
